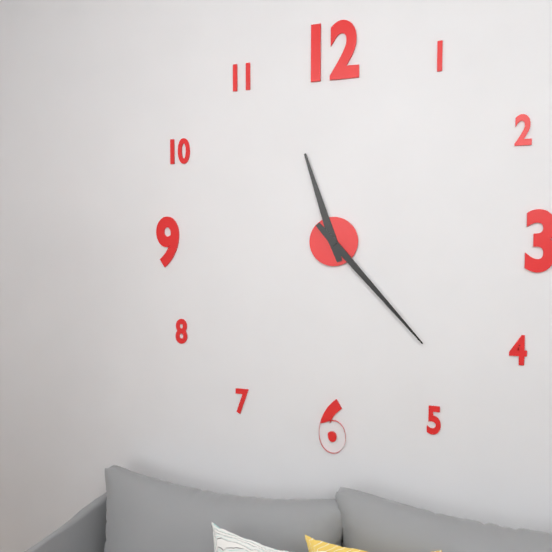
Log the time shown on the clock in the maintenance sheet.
11:23
